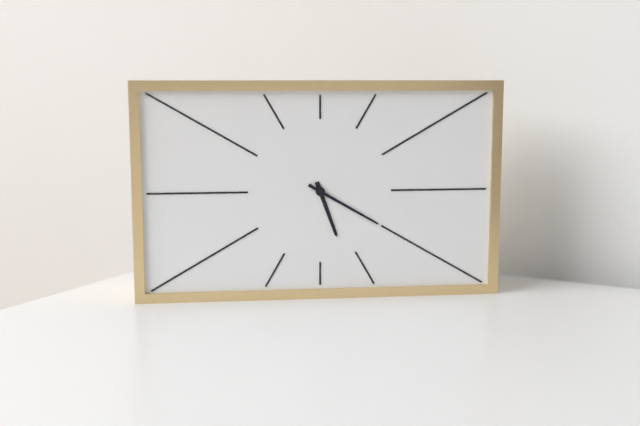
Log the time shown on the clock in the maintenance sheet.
5:20
